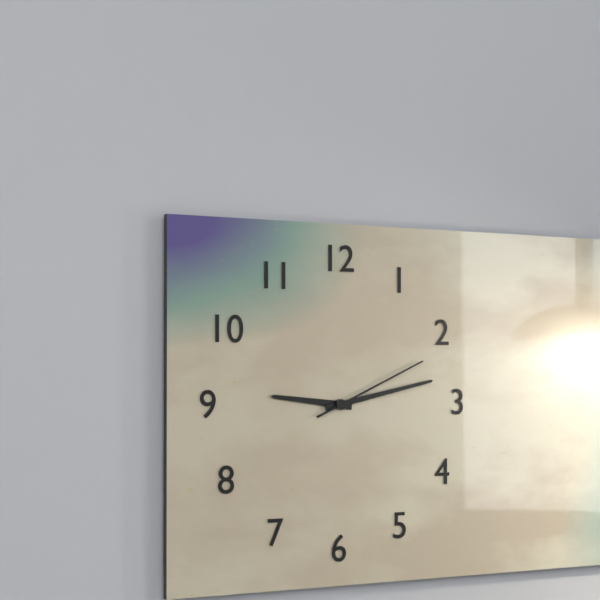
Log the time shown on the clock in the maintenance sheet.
9:13:11
